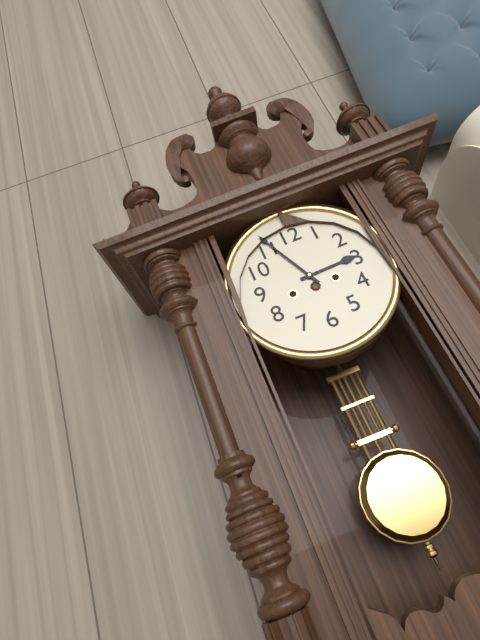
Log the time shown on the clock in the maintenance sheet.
2:56
